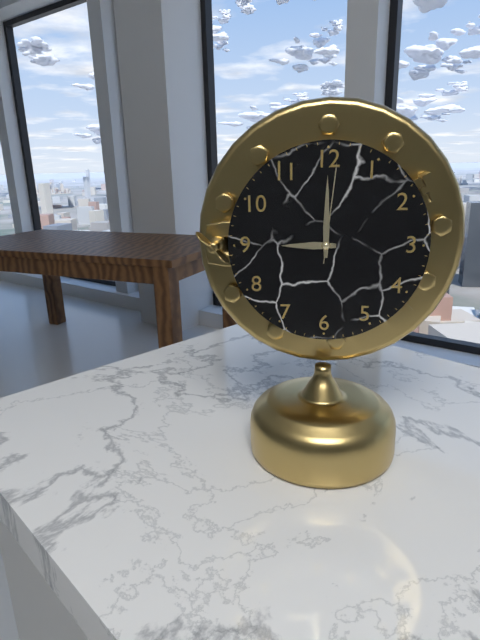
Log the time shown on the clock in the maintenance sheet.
9:00:01
